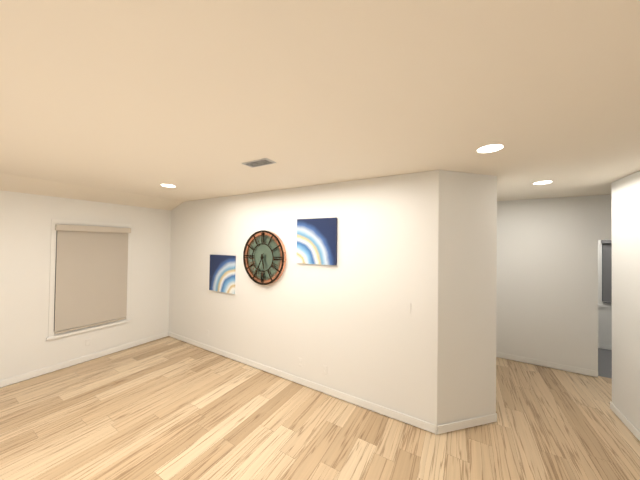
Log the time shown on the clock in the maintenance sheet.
5:34
